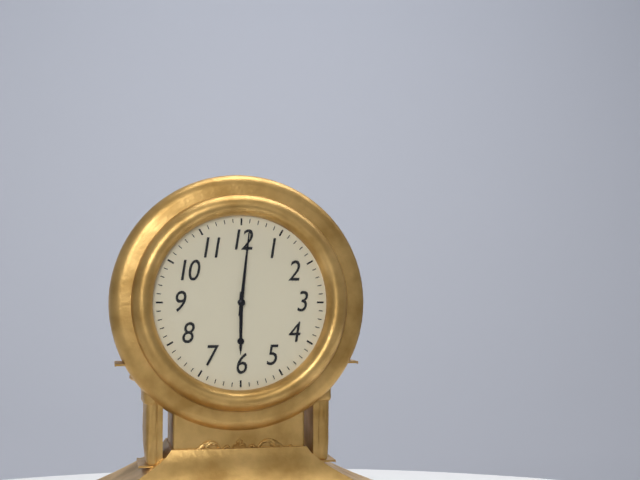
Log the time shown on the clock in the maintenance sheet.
6:01
